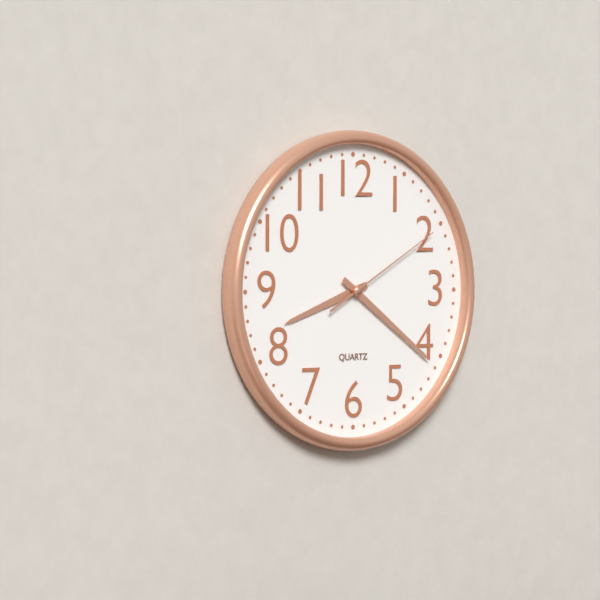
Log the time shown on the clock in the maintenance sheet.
8:21:10
